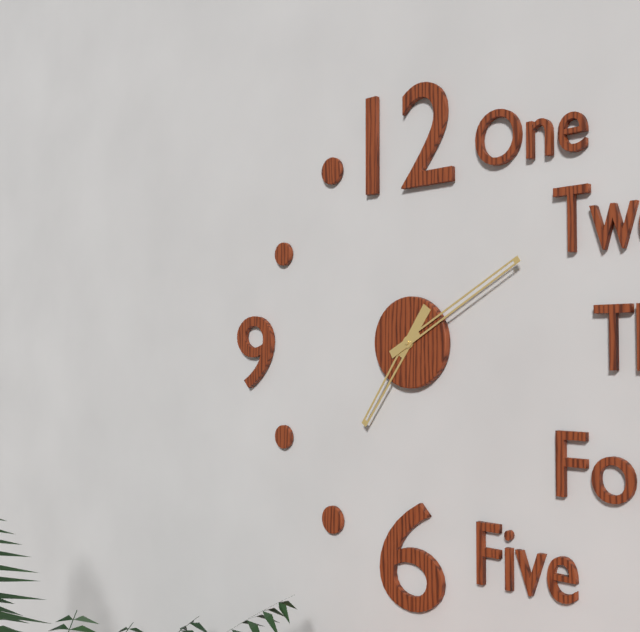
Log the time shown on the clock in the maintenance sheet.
7:10
